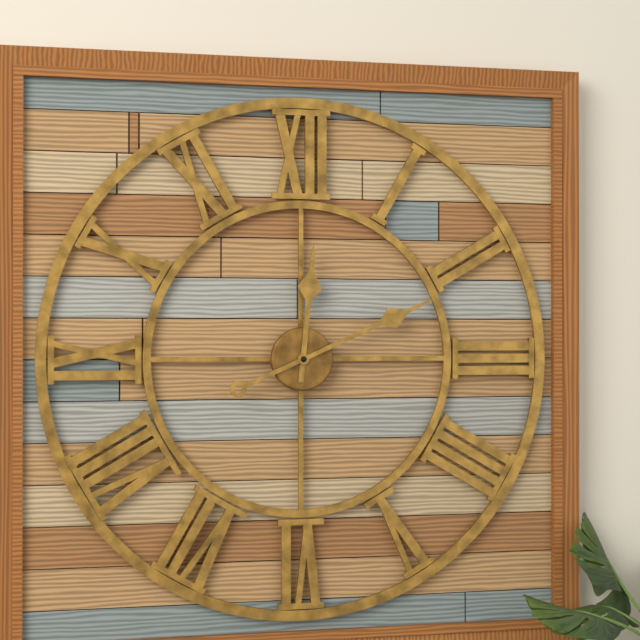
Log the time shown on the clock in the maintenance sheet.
12:11
